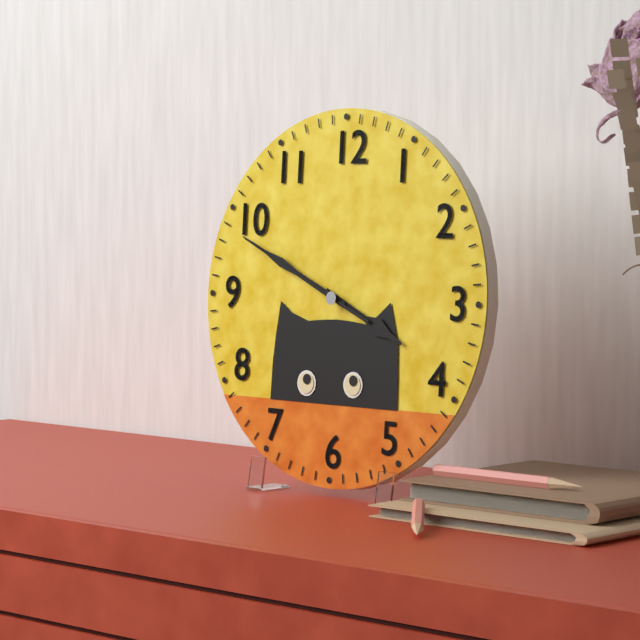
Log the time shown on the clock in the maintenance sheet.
3:49:49
